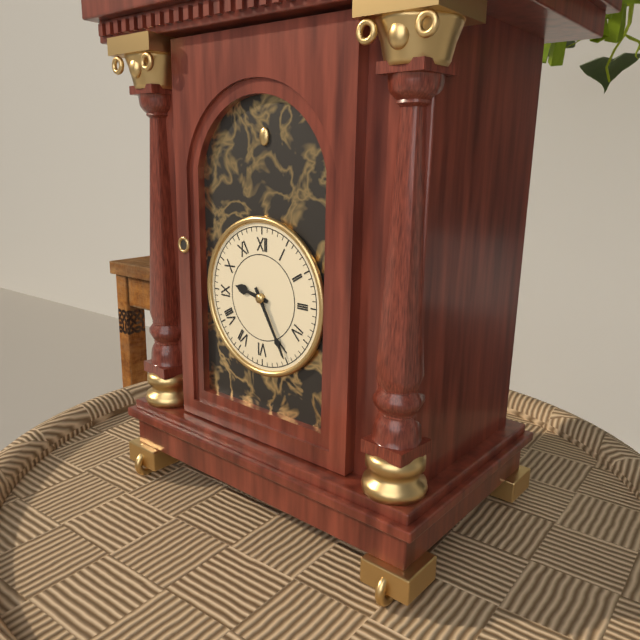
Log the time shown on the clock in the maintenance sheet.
9:25
